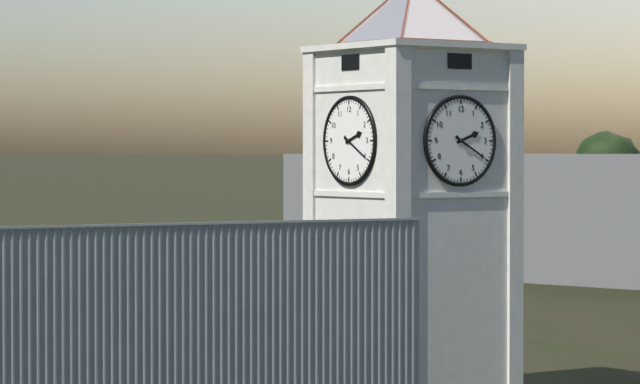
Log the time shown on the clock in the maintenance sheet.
2:20
